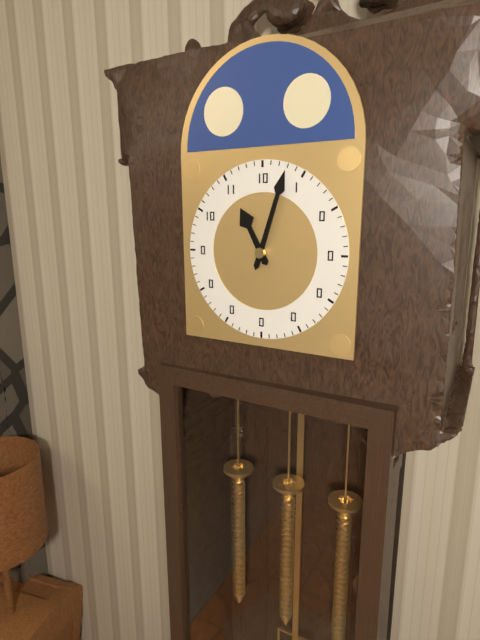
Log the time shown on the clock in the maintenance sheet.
11:03
